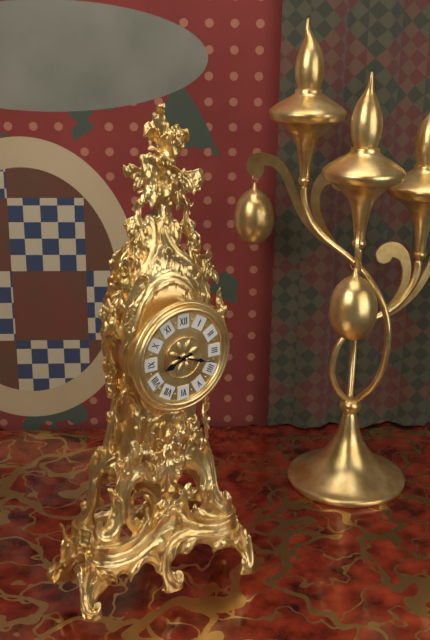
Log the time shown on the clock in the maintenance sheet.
8:18
